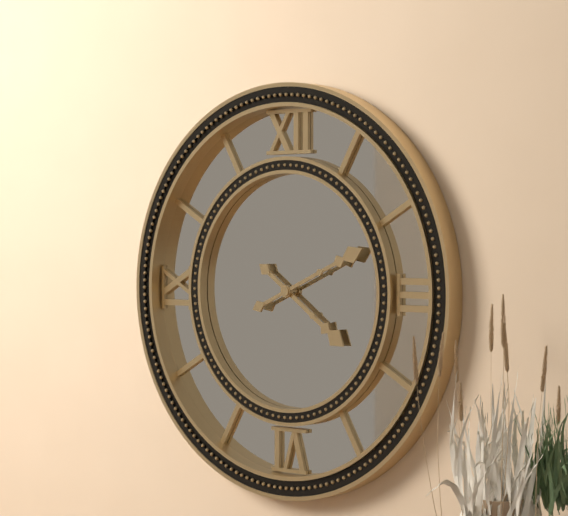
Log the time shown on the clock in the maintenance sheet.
4:11
